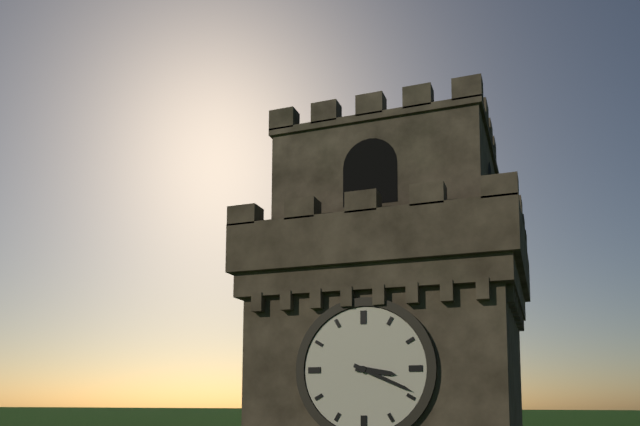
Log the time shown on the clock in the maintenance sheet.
3:19
